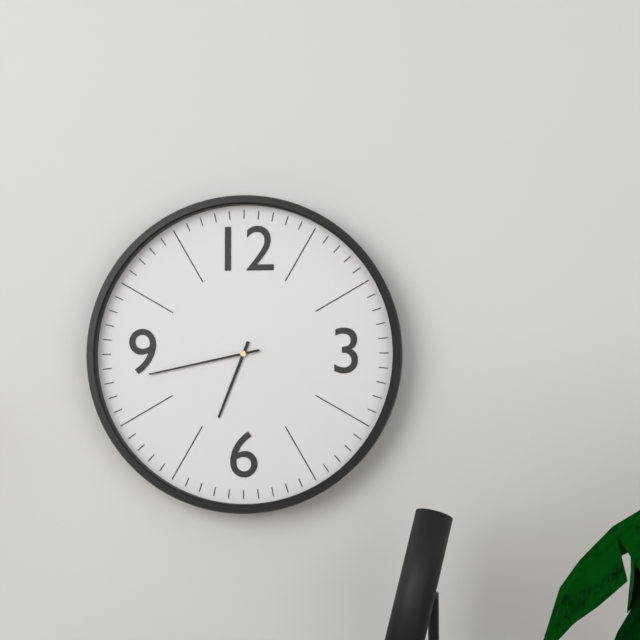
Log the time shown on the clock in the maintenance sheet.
6:43
